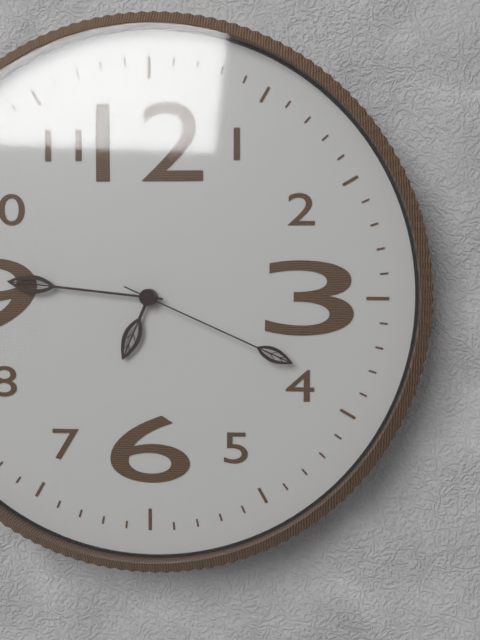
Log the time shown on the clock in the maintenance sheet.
6:46:19
